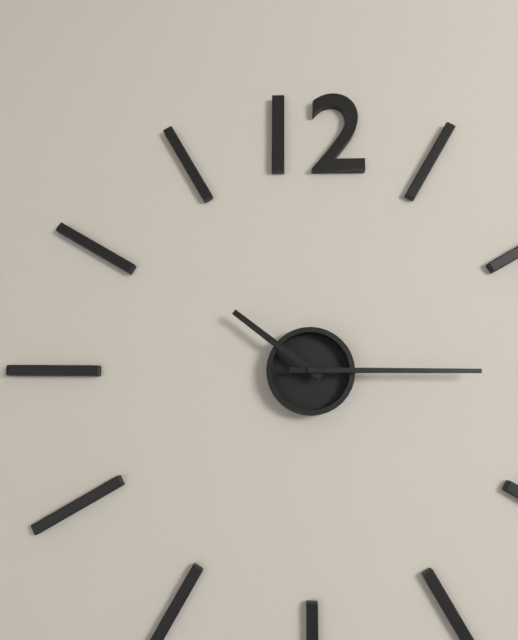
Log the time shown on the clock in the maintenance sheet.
10:15
